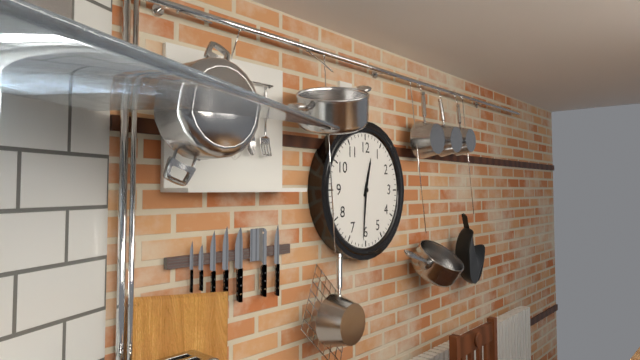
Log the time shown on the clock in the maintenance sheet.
12:31
